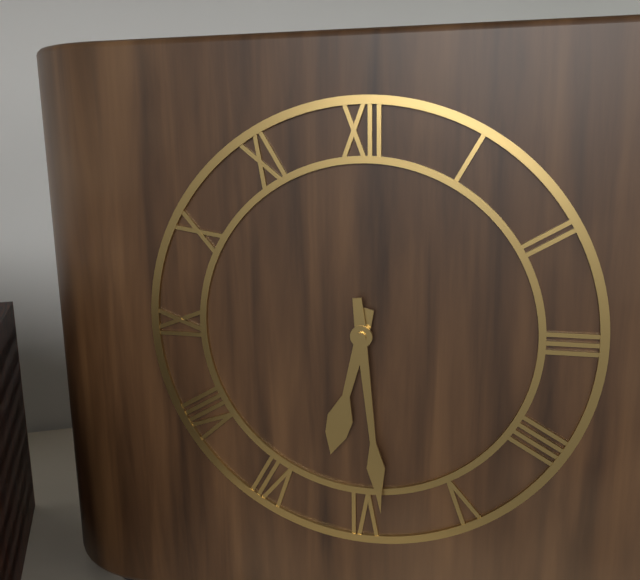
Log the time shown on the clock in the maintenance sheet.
6:29
